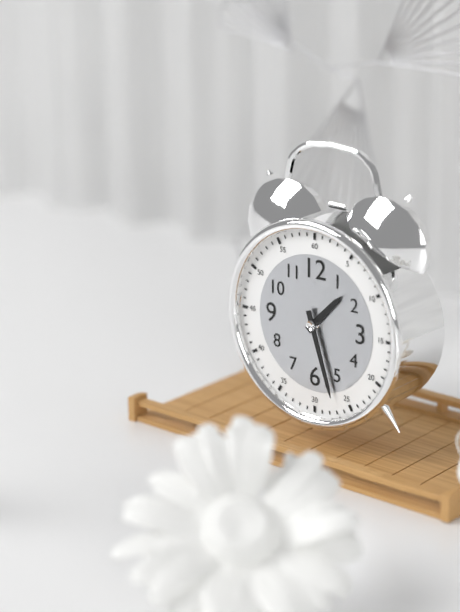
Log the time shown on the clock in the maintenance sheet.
1:27
